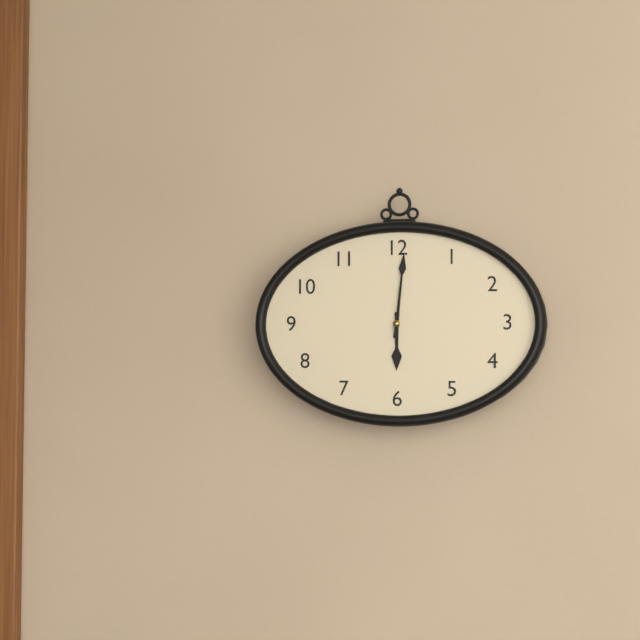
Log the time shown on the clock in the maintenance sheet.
6:01
